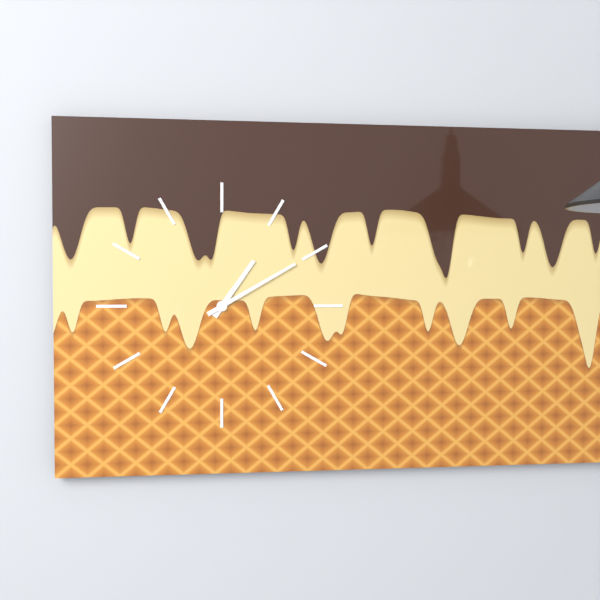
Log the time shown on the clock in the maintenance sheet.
1:10
